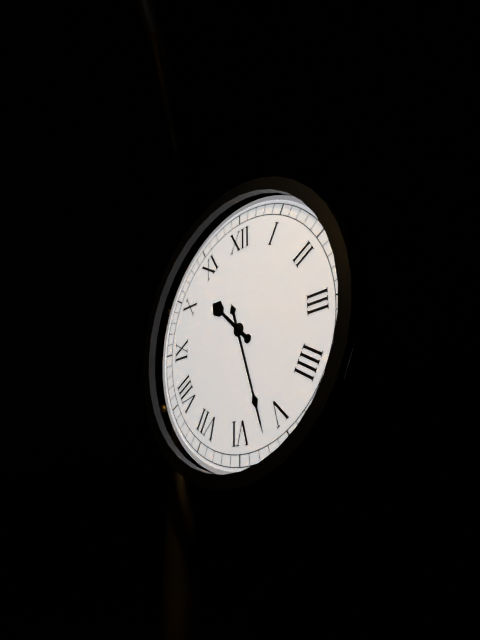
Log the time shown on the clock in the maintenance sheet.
10:27
